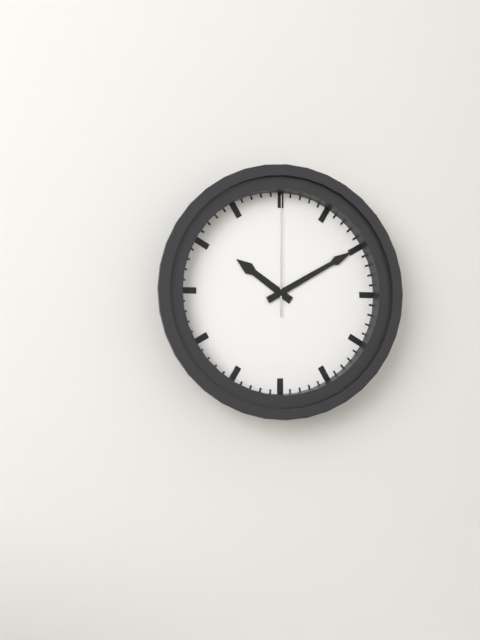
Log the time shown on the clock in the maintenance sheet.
10:10:00
